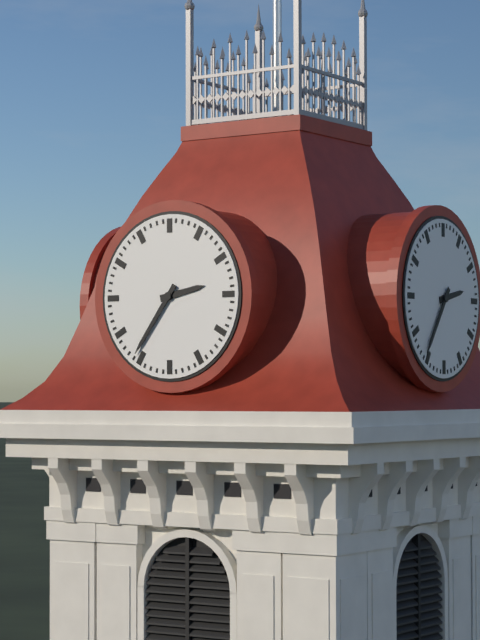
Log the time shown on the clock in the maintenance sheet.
2:36
